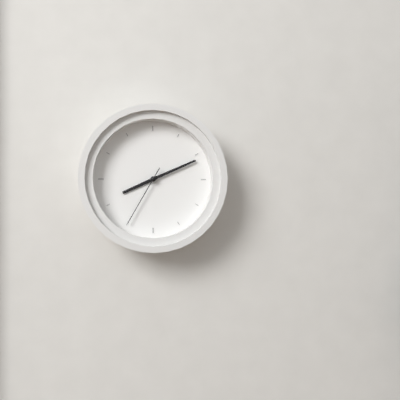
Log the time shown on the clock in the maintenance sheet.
8:11:35
